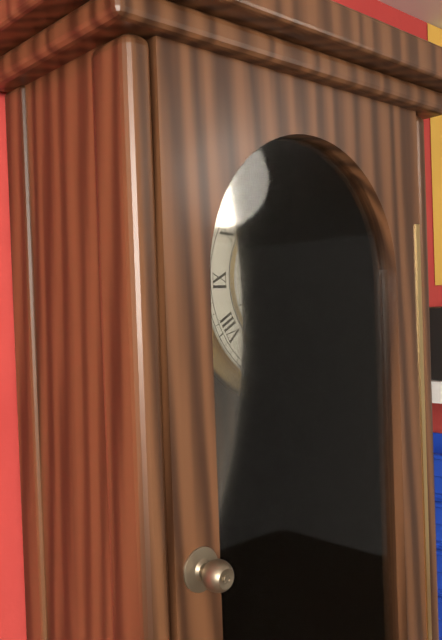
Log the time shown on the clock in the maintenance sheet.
8:20
